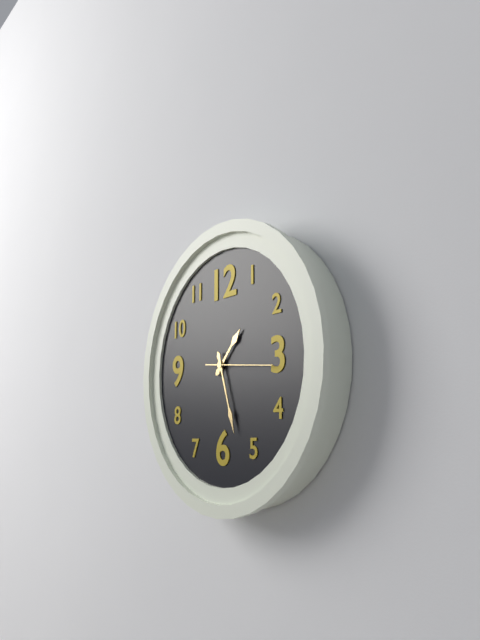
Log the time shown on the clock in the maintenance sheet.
1:27:16
